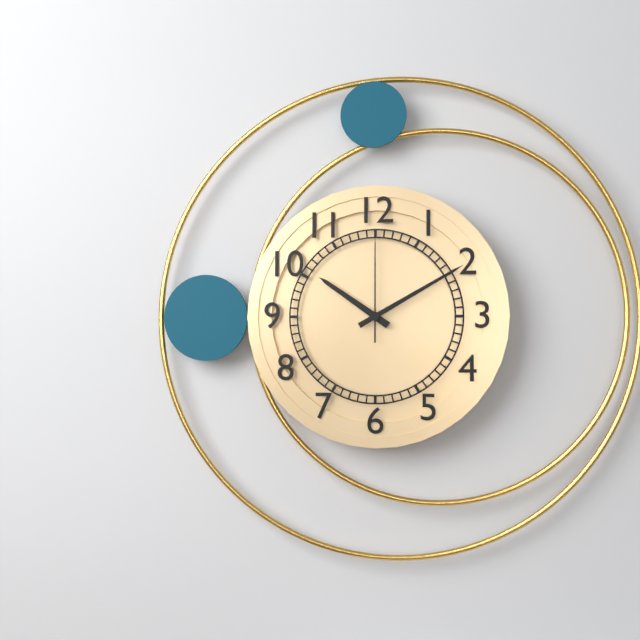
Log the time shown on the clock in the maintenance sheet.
10:10:00
